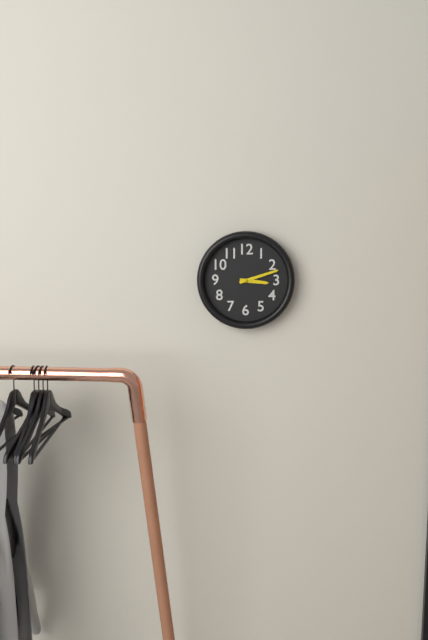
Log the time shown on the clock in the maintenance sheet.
3:12
